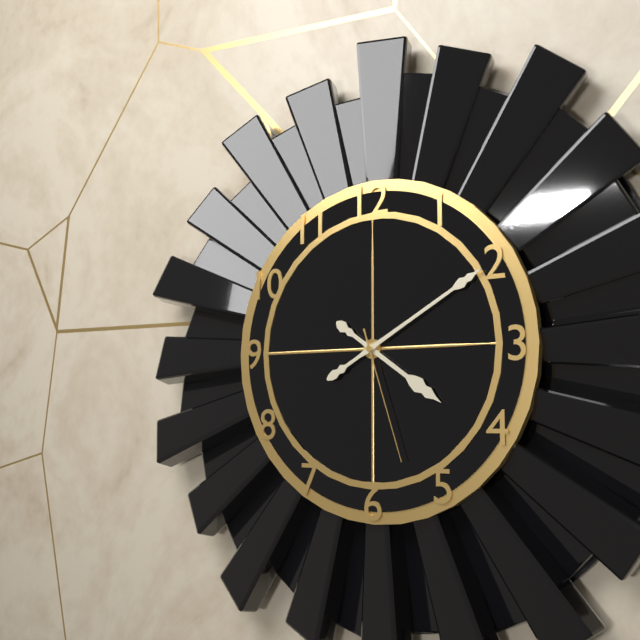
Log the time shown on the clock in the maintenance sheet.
4:10:27
